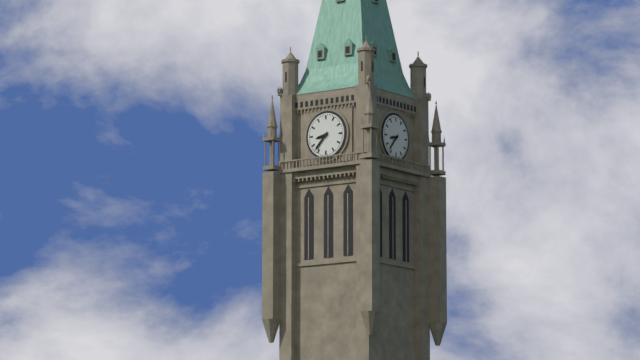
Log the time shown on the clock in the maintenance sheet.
8:37
